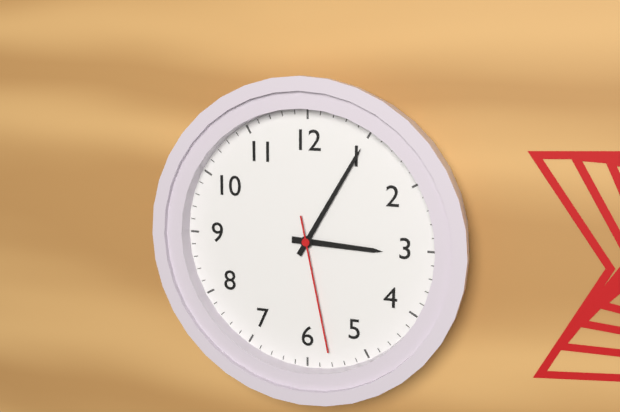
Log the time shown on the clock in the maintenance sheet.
3:05:28
